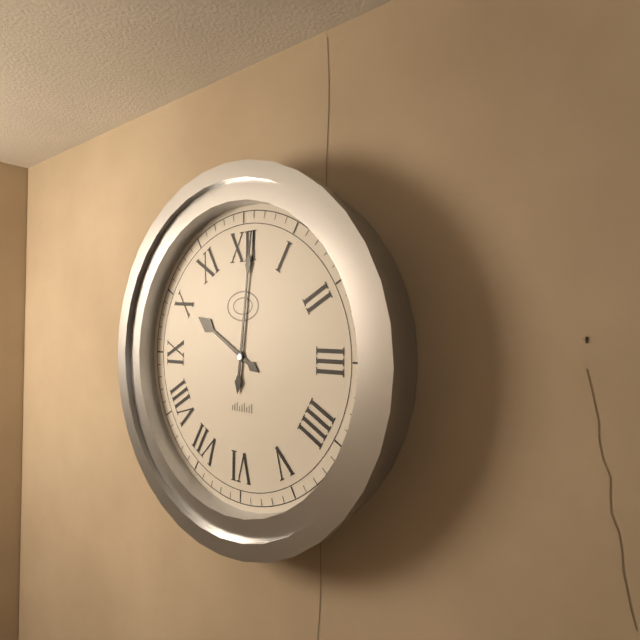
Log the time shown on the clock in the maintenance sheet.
10:01
